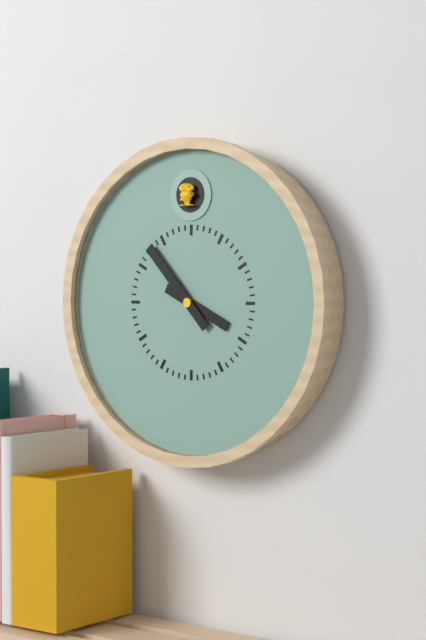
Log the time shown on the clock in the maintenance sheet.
3:53
